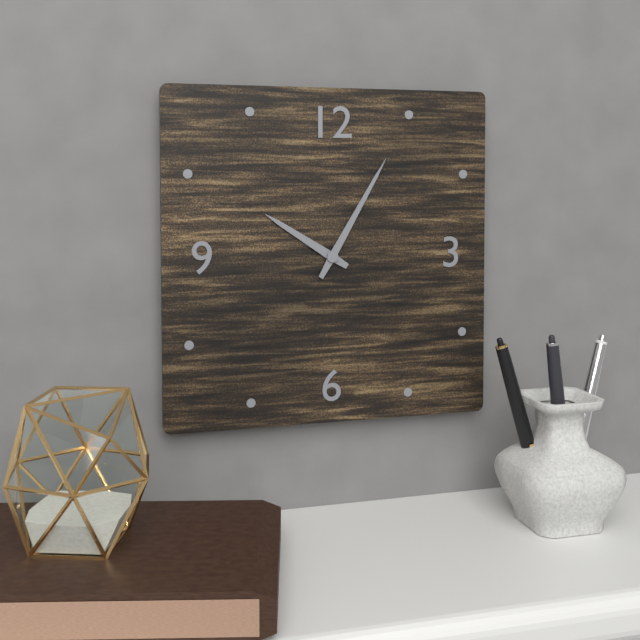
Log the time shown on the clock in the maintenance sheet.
10:05
